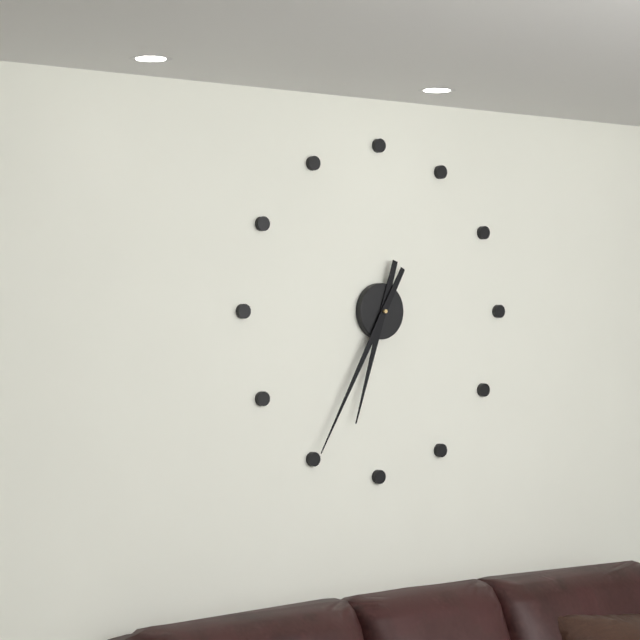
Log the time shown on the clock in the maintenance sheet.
6:35
